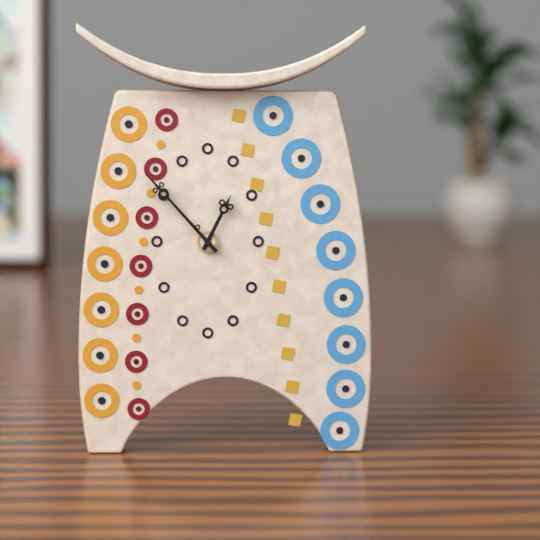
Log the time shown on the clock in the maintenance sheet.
12:53
